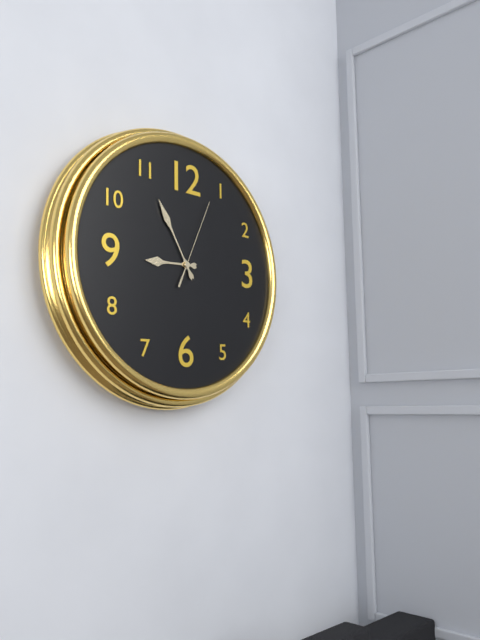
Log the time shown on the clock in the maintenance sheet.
8:55:04
